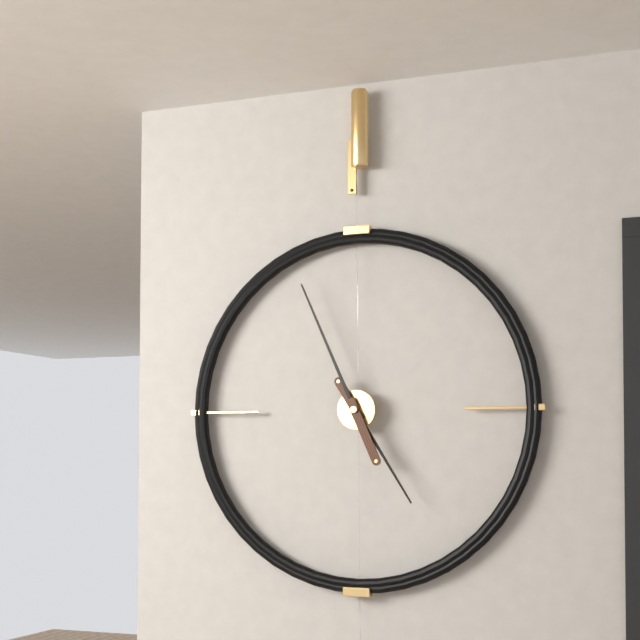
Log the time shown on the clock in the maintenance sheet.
4:56
